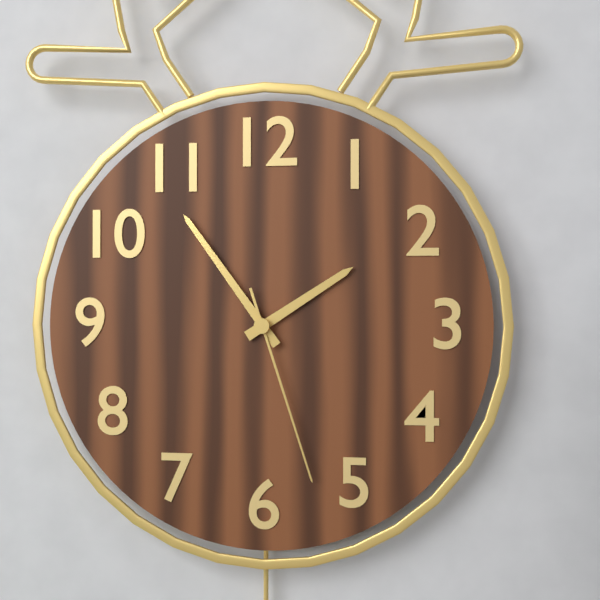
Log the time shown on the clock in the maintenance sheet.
1:54:27
